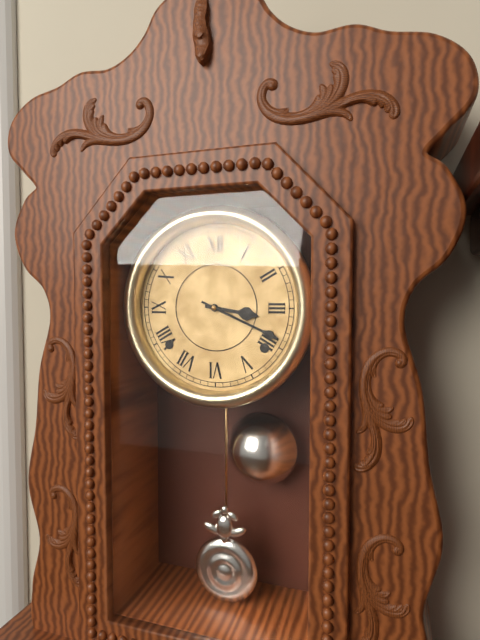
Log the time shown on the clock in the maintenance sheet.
3:19
